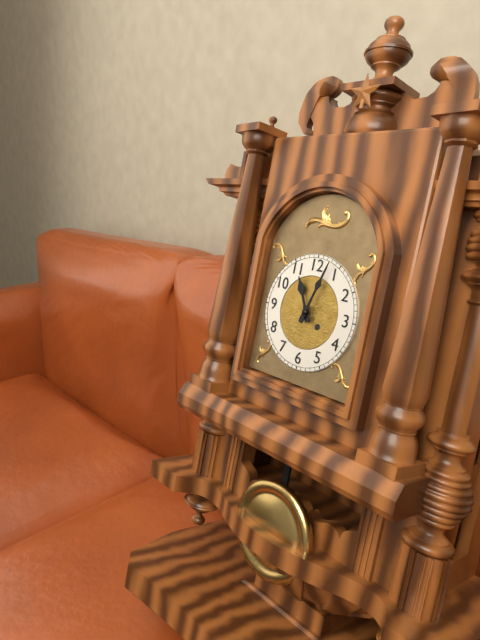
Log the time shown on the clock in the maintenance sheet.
11:03
